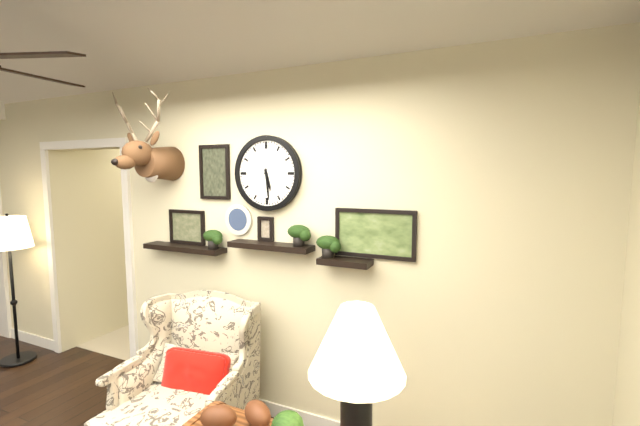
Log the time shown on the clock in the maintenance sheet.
5:29
